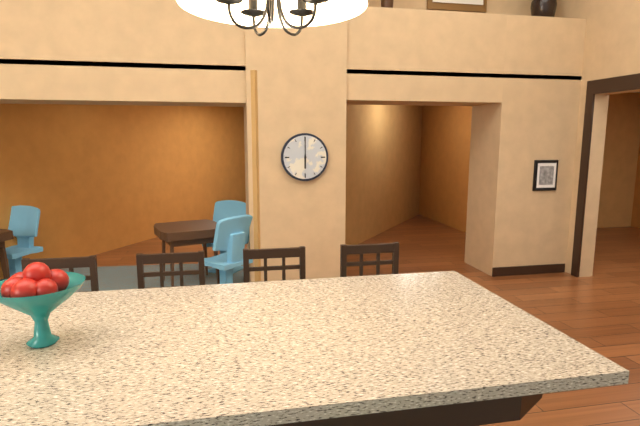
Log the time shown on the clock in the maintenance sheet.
6:00
